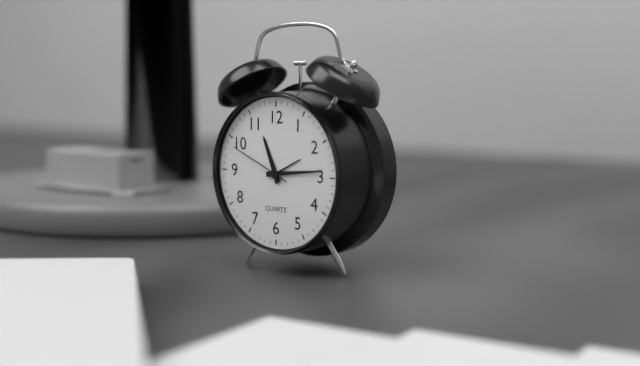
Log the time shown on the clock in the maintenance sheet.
11:14:49
